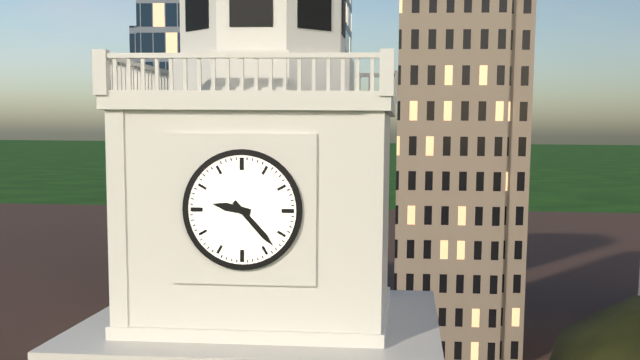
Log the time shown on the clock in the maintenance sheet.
9:23
